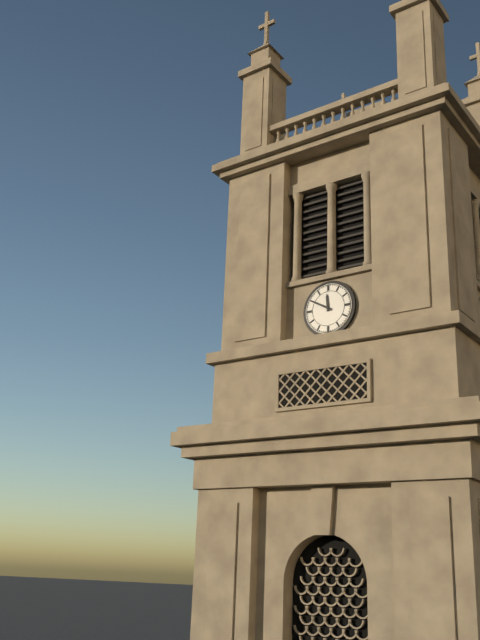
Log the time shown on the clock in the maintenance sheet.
11:50
